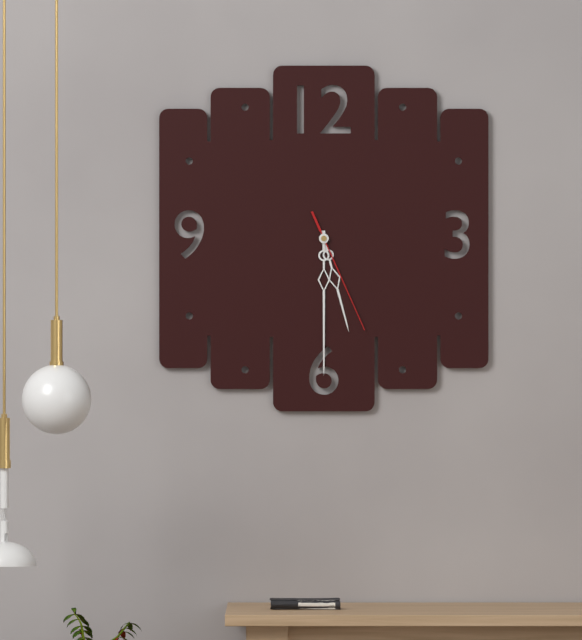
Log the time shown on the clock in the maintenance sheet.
5:30:26
